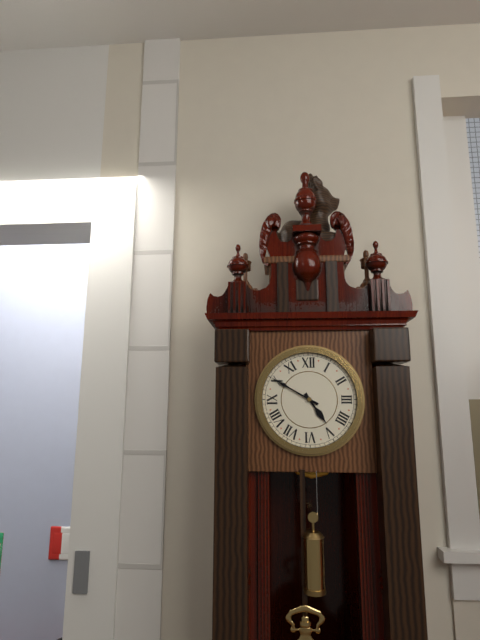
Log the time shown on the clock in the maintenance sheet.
4:50
